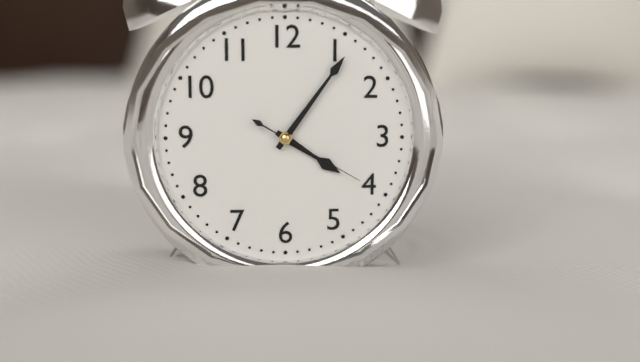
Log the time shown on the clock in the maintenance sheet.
4:06:20
